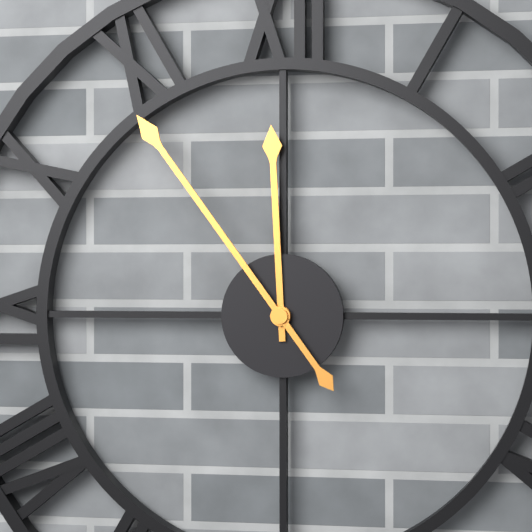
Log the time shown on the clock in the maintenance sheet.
11:54
